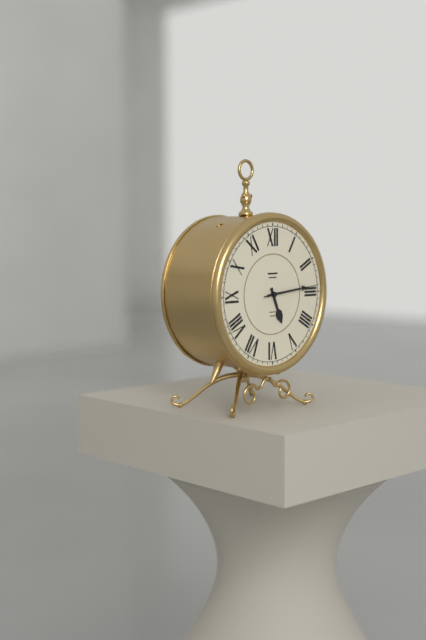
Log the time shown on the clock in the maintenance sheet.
5:14:14
